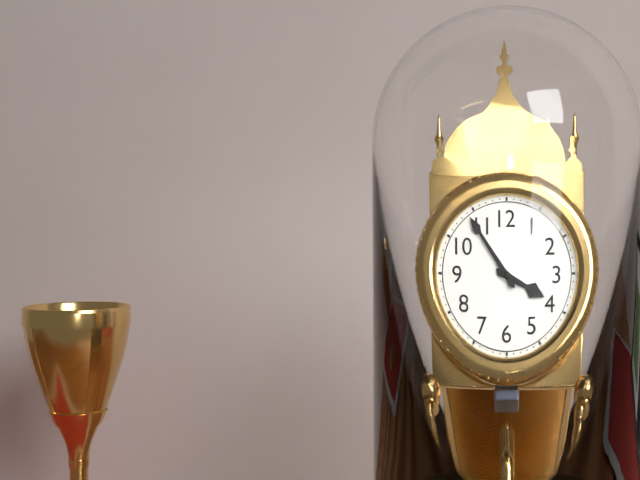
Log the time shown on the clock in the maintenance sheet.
3:54
